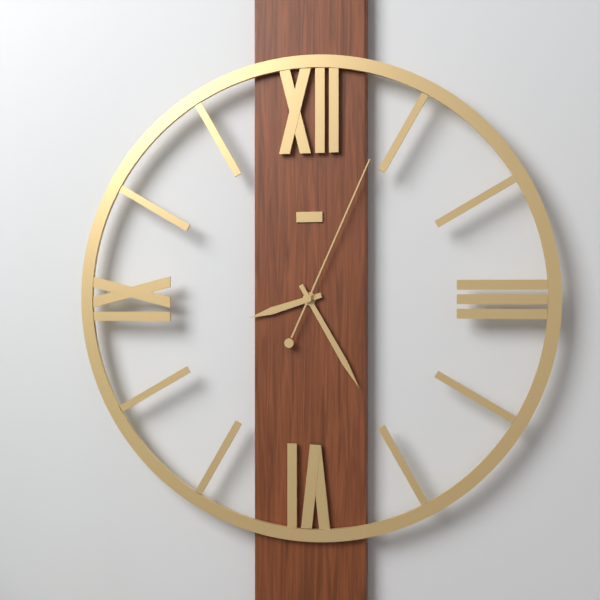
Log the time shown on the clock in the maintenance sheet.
8:25:04
